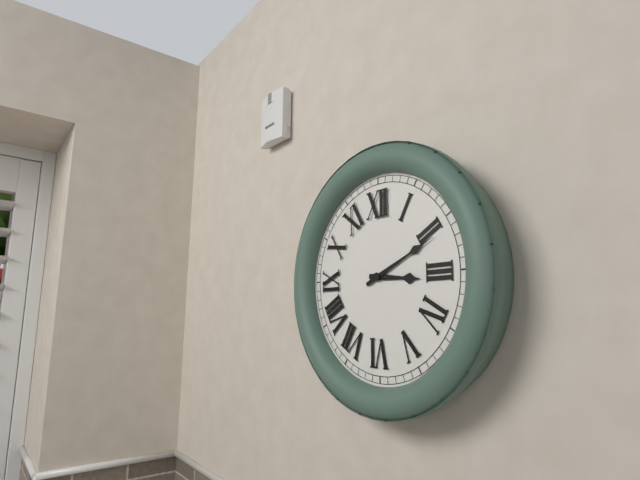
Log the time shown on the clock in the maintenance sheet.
3:11
